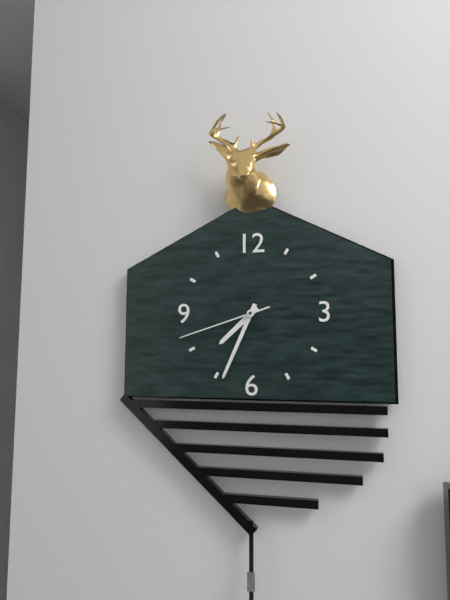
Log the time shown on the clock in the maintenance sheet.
7:34:42
